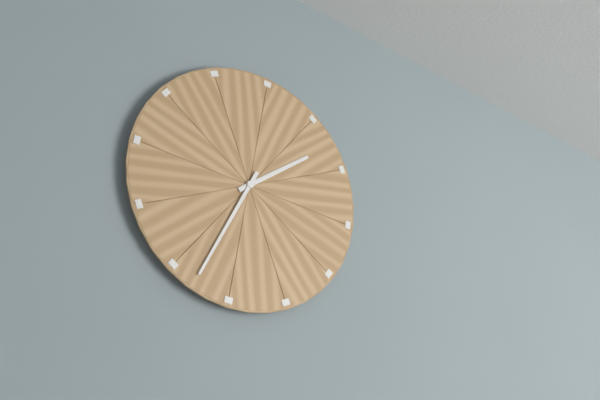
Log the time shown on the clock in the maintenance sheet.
1:33
